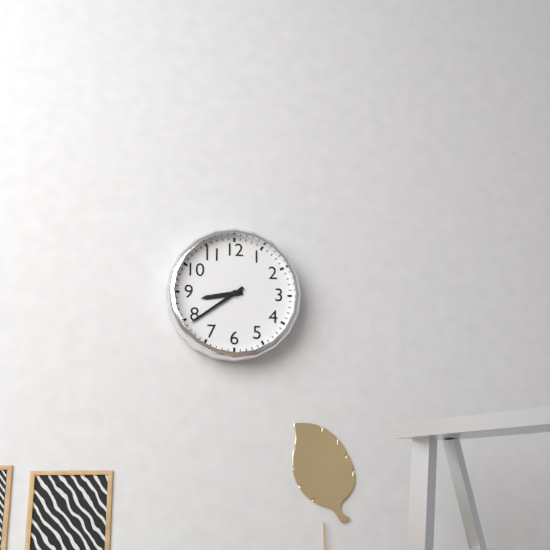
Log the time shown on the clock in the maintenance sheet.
8:39
